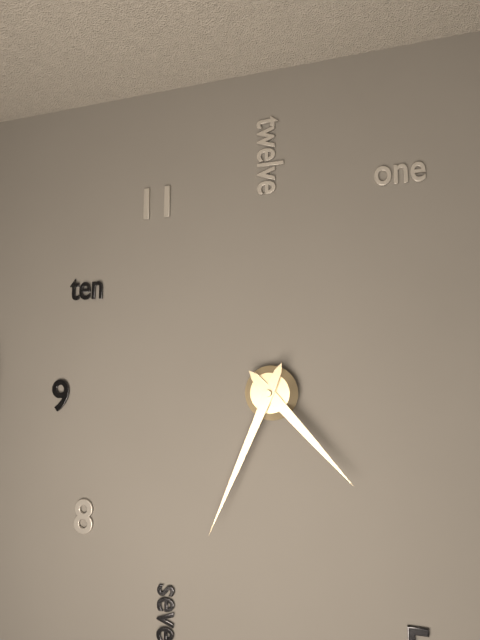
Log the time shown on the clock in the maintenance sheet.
4:34
